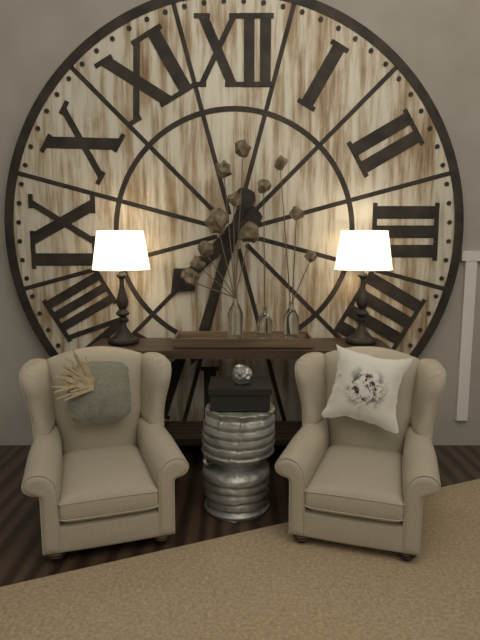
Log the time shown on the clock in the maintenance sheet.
7:33
